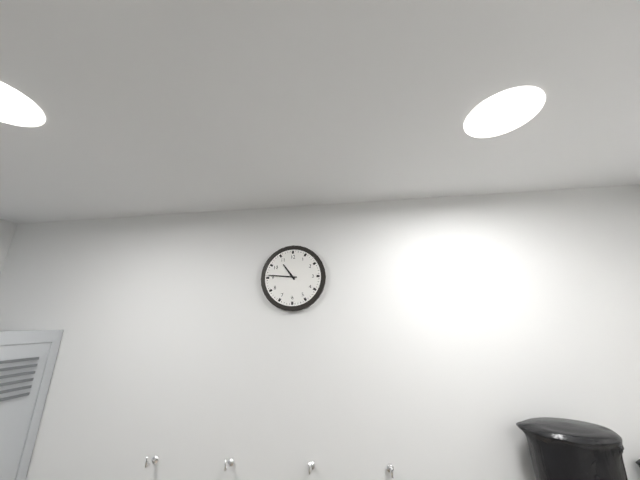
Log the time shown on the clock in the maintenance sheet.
10:46
